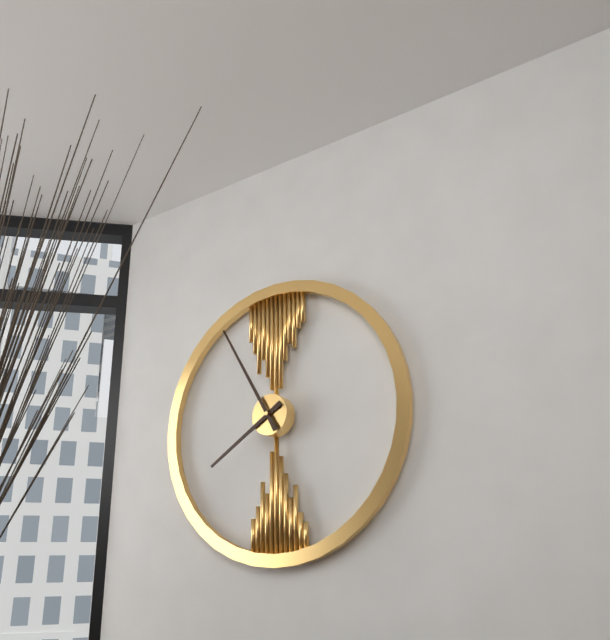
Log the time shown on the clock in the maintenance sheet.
7:55
